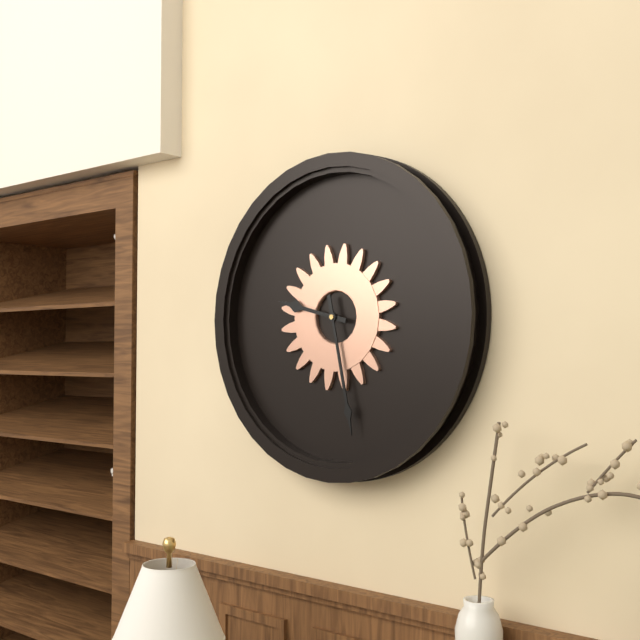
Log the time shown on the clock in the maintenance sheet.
9:28
